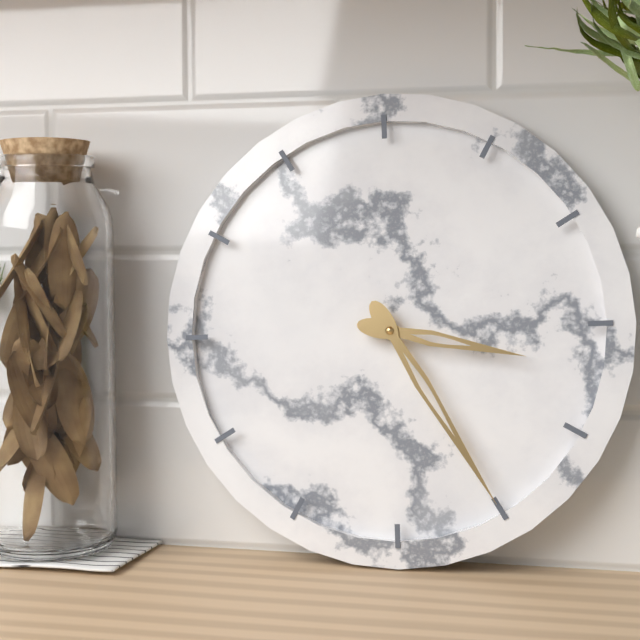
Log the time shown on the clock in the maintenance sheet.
3:25
